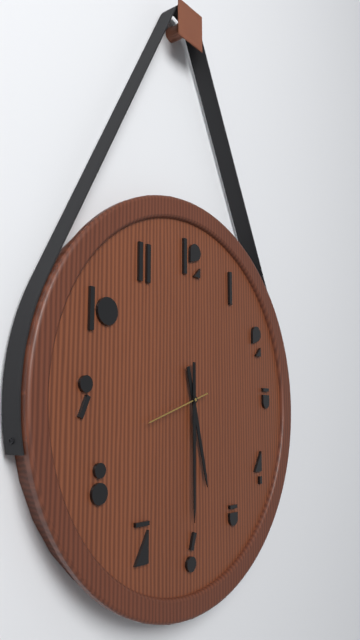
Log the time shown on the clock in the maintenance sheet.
5:30:42
